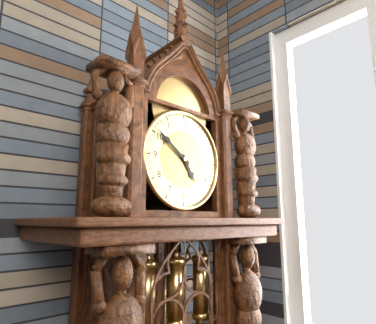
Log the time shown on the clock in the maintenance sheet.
4:51
